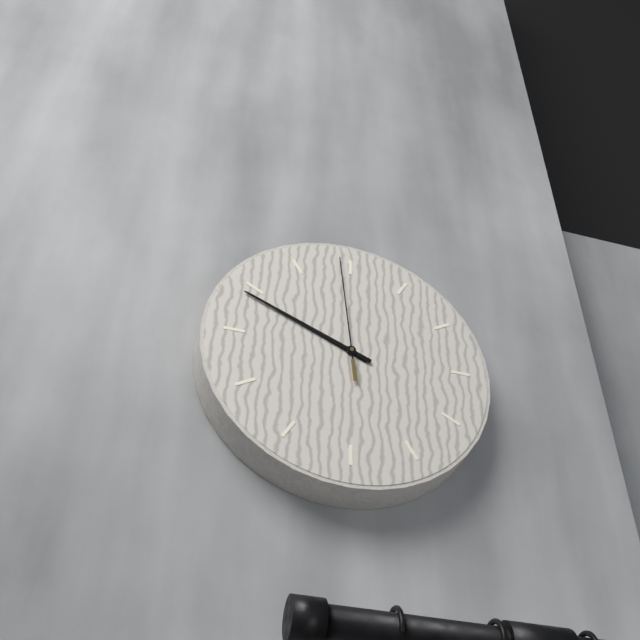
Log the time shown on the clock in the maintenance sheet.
9:49:59
